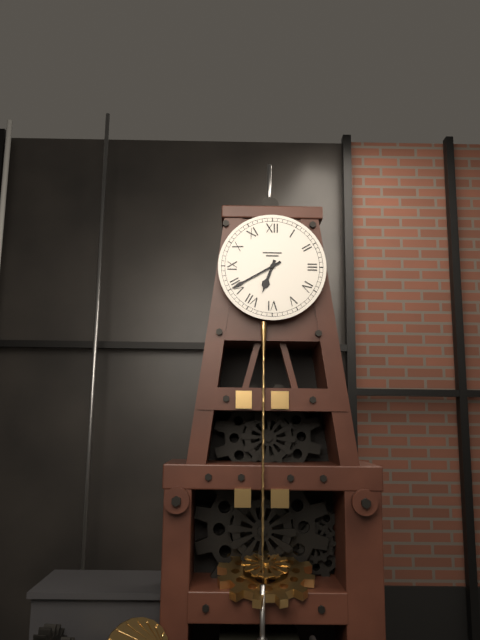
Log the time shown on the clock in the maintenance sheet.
6:40
